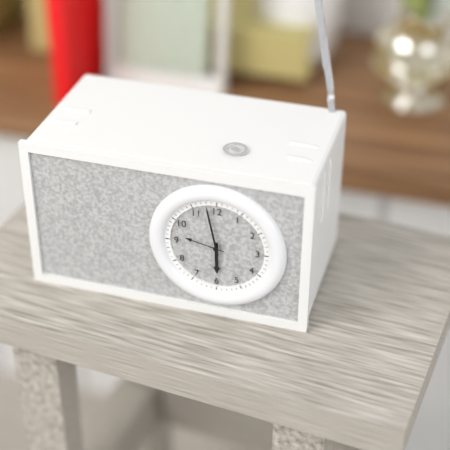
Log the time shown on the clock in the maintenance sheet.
5:58
